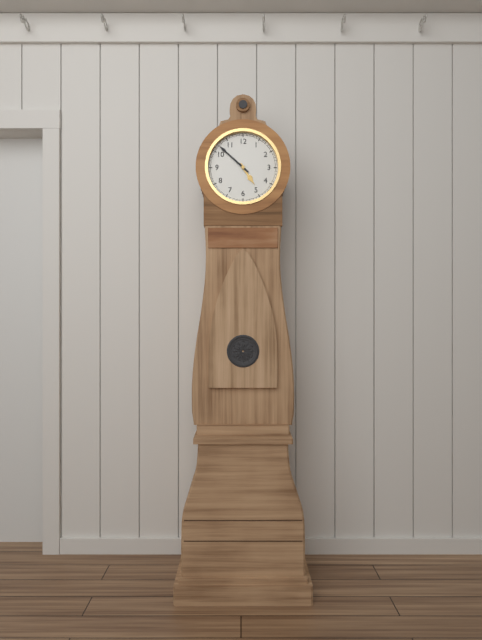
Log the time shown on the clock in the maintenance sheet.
4:52
